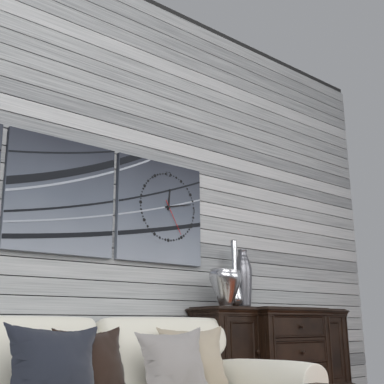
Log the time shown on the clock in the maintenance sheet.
12:13
